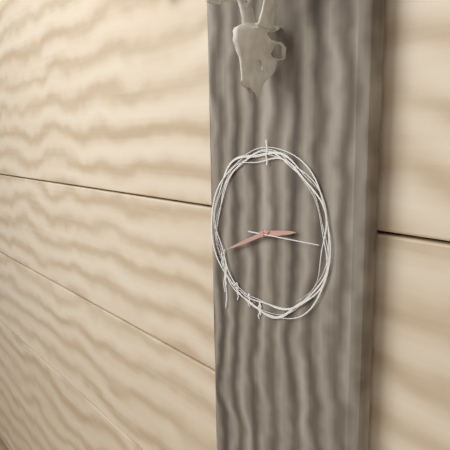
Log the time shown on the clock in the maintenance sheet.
2:41:15
